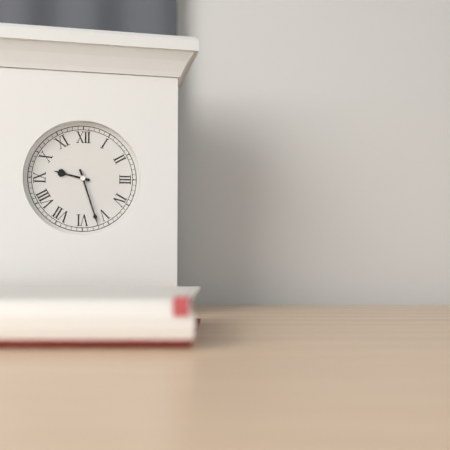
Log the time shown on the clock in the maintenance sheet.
9:27
